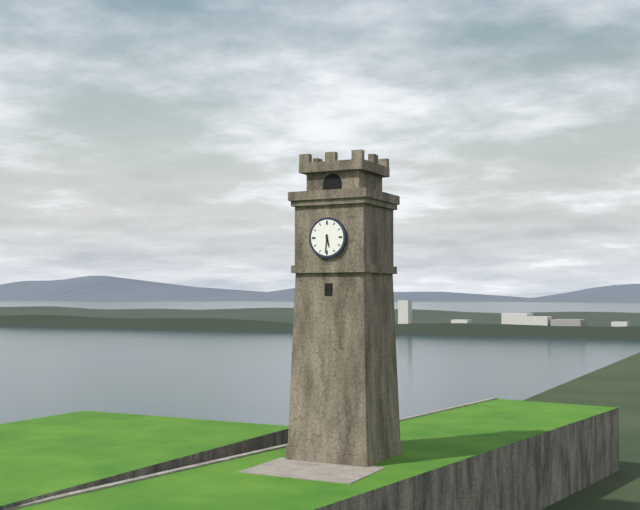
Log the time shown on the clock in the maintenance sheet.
5:31
